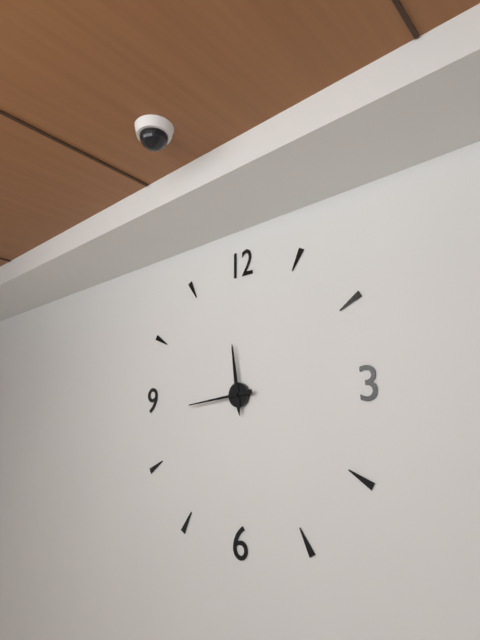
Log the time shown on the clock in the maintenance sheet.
11:44
